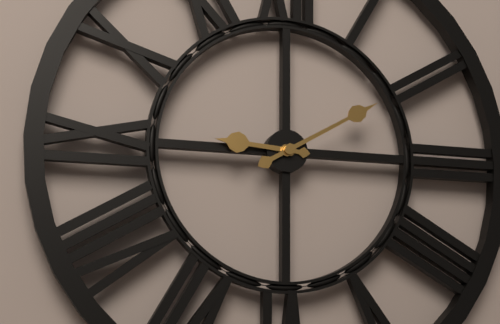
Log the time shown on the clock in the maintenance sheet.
9:10
